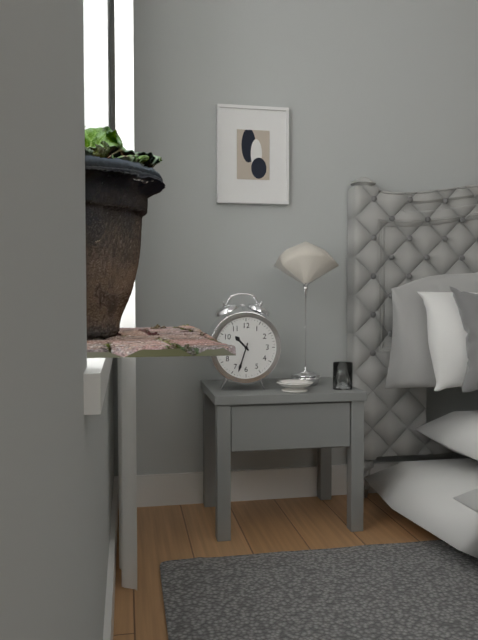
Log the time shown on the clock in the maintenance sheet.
10:33
